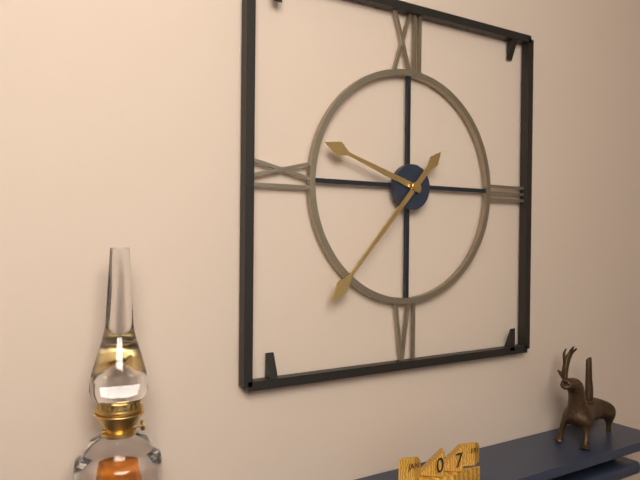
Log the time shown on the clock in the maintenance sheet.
9:37
